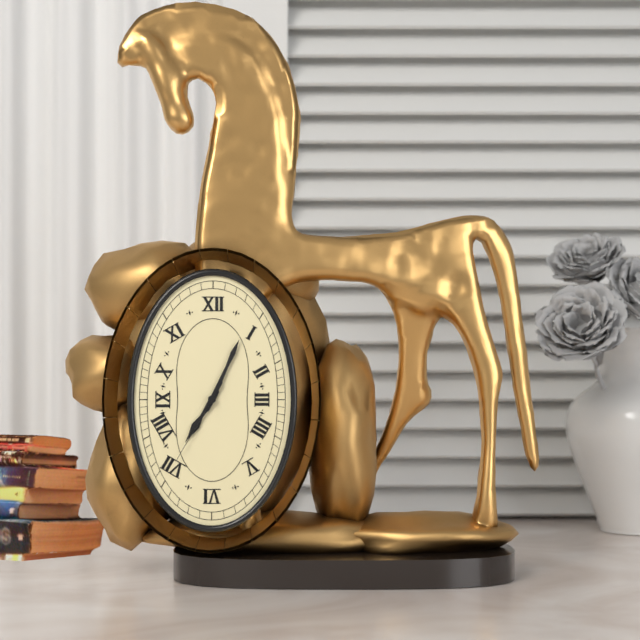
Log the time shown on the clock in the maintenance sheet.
7:04:35
